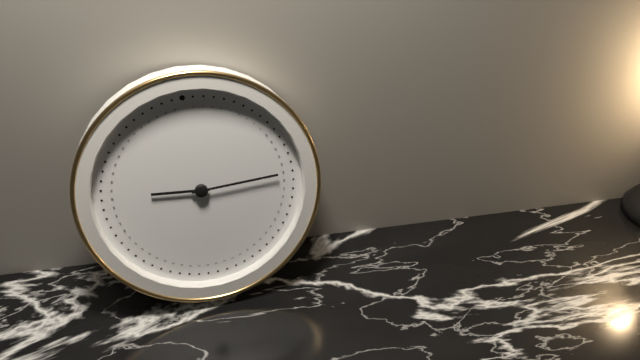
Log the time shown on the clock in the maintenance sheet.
9:15
